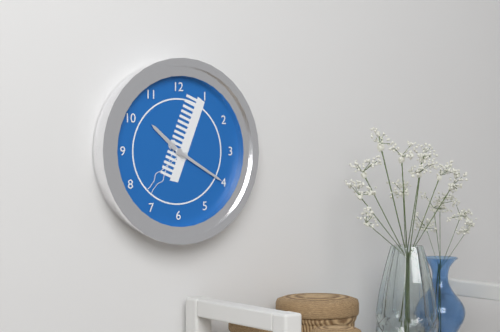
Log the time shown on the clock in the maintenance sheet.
10:20
